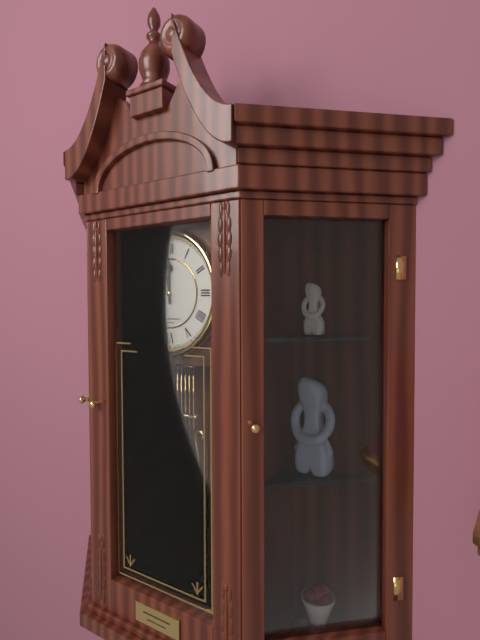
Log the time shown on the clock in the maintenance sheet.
11:59
